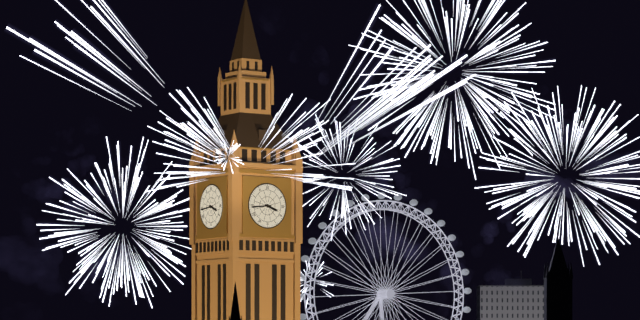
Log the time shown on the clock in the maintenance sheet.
3:44
